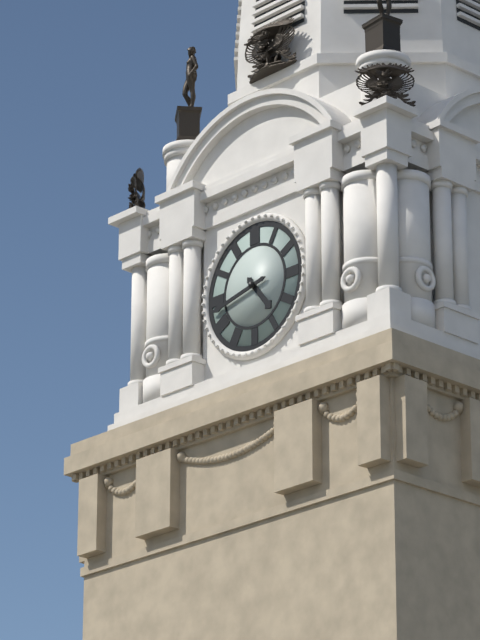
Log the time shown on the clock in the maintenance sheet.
4:43
